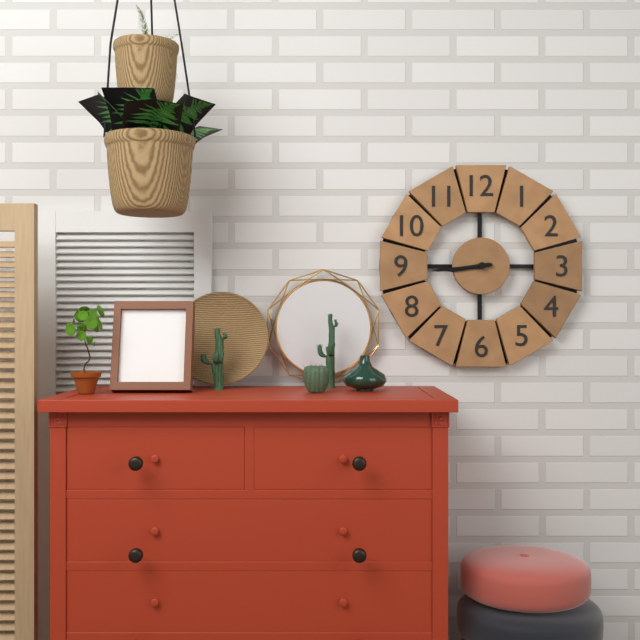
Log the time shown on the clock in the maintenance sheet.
8:44
